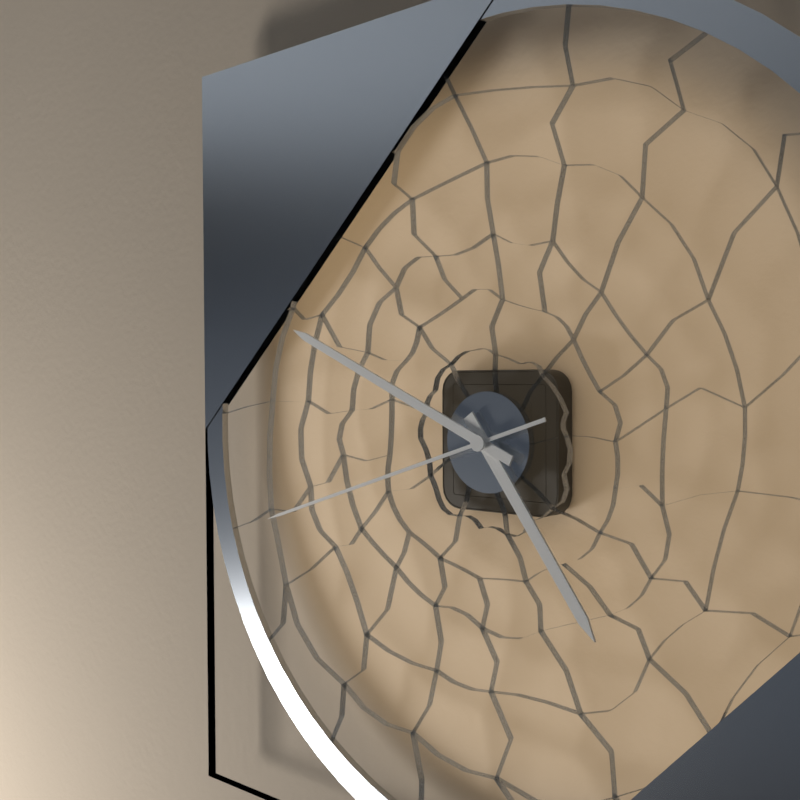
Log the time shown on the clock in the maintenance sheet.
4:49:42
